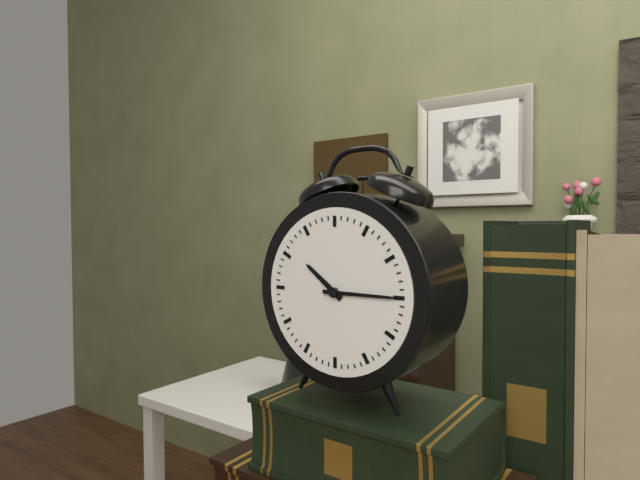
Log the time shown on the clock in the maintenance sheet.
10:15
